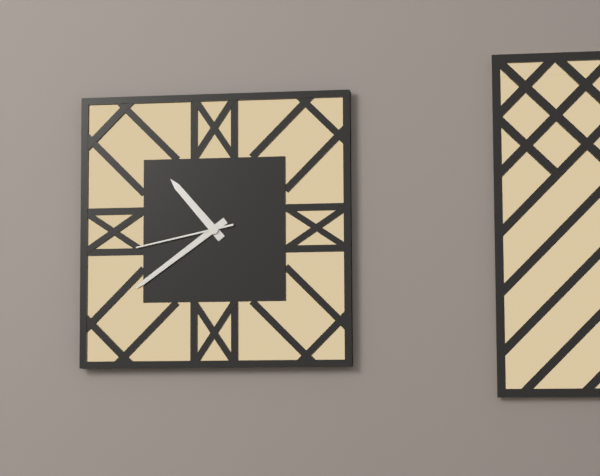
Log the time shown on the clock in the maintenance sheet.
10:39:43
